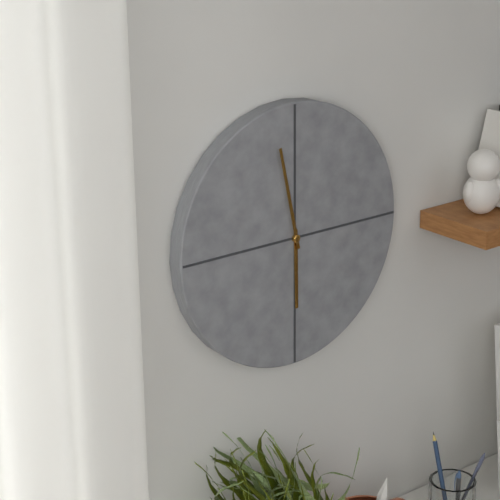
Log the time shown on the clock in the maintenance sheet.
5:58
